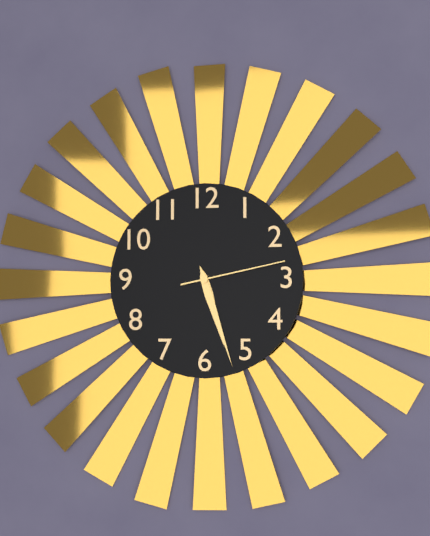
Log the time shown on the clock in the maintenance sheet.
5:27:13
